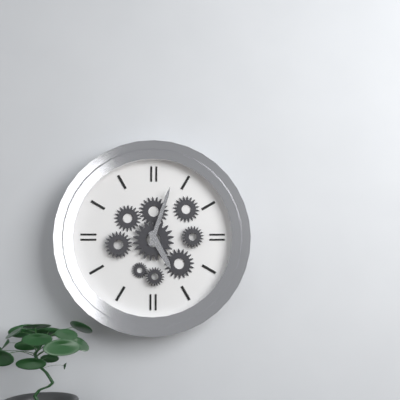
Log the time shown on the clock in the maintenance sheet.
5:03
